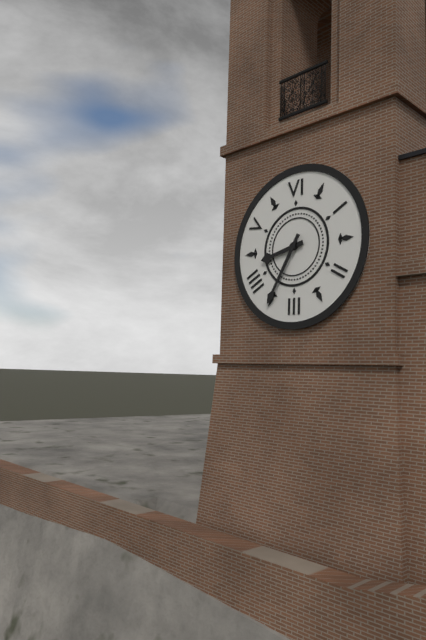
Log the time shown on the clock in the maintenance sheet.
8:35
